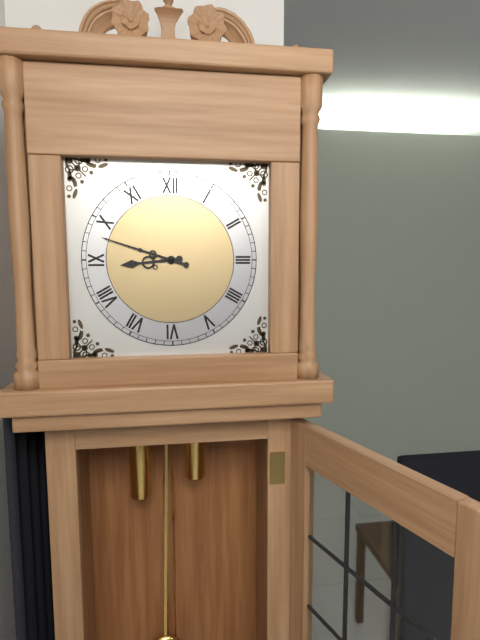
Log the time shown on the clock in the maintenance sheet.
8:48
